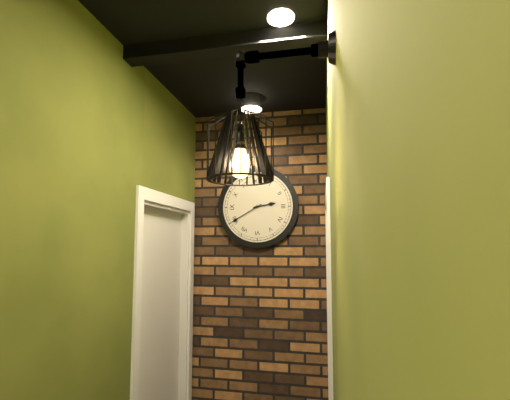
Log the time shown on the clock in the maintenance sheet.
2:40
